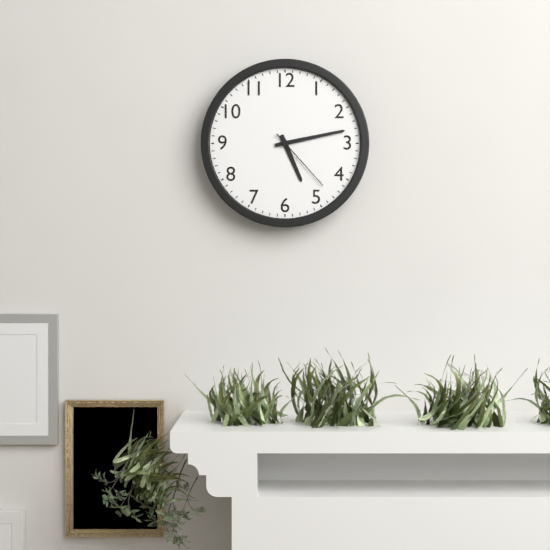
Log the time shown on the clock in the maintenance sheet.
5:13:23
